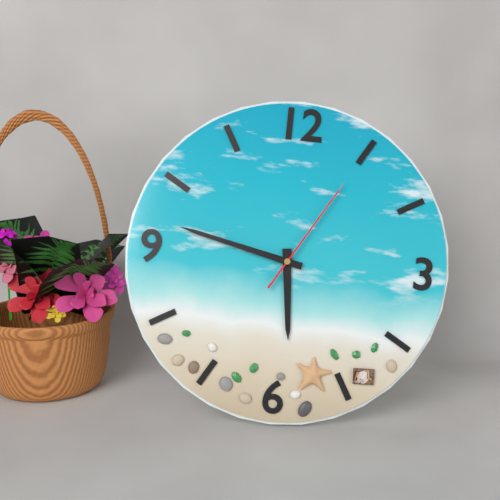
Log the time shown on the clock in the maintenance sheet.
5:47:05
